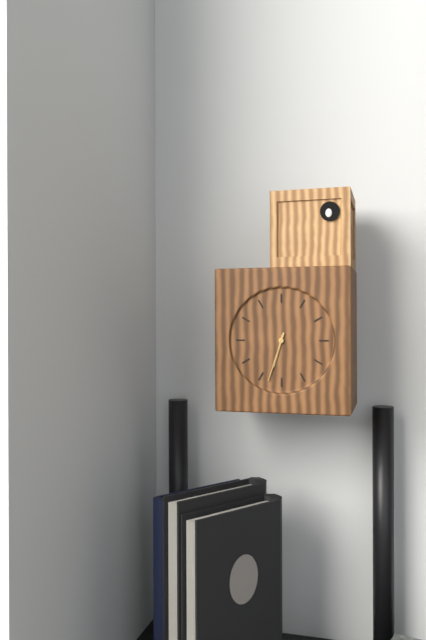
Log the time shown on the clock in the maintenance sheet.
6:33
